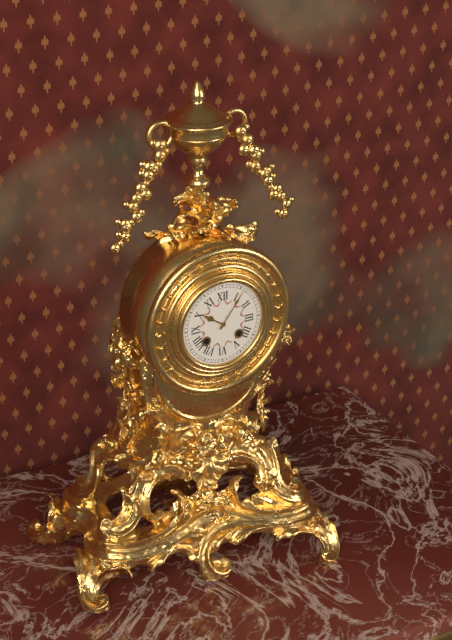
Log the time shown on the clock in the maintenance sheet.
10:06
